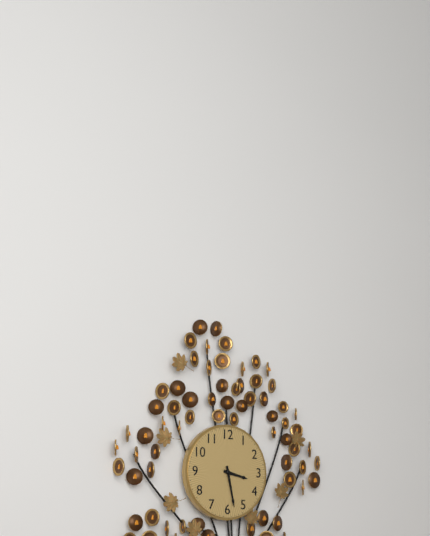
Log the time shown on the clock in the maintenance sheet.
3:28
